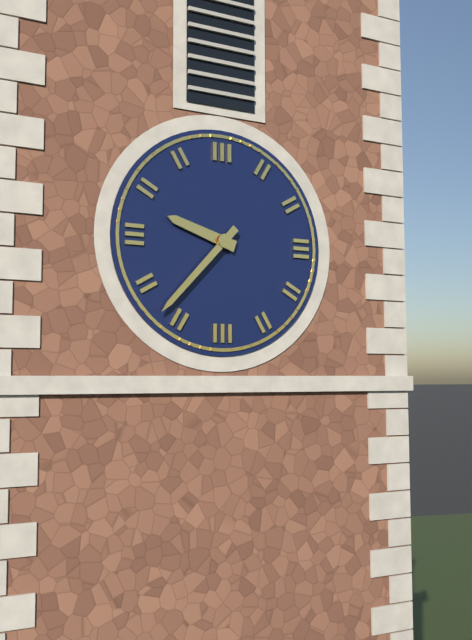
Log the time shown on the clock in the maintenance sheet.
9:37
